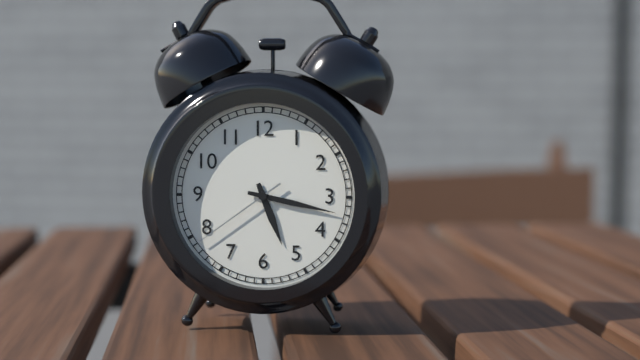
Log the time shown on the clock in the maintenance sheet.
5:17:39
